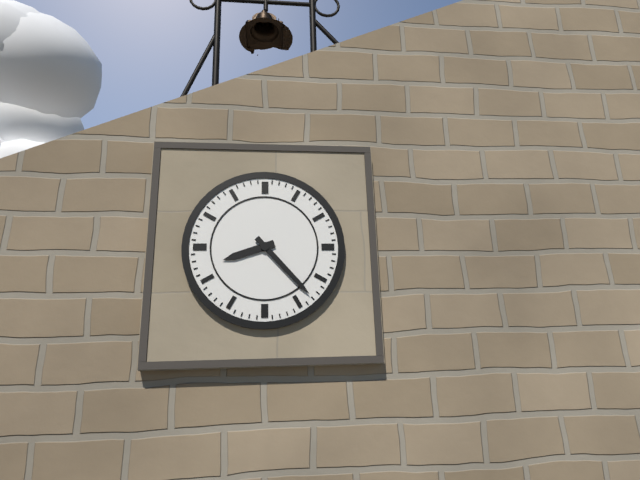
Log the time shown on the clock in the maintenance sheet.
8:23
